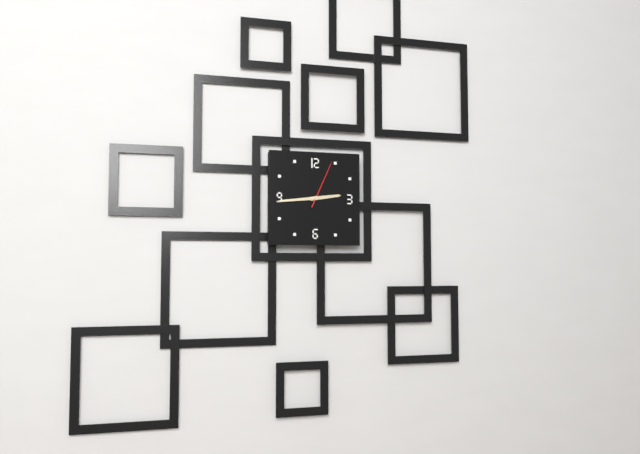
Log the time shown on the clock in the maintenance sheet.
2:44:04
